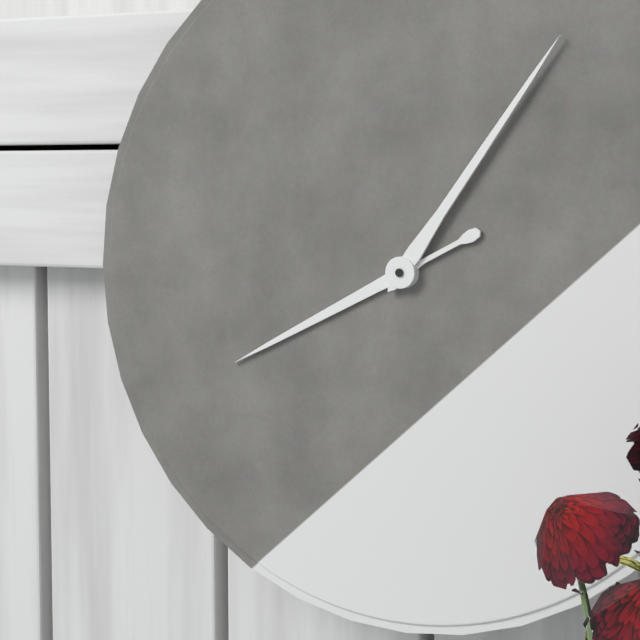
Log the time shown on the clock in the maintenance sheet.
8:06
